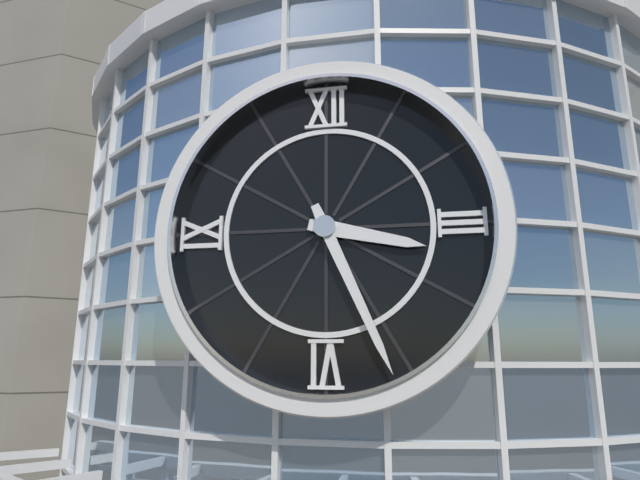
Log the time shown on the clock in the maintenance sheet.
3:26
